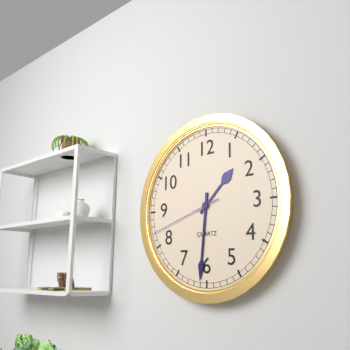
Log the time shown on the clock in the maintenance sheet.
1:31:42
